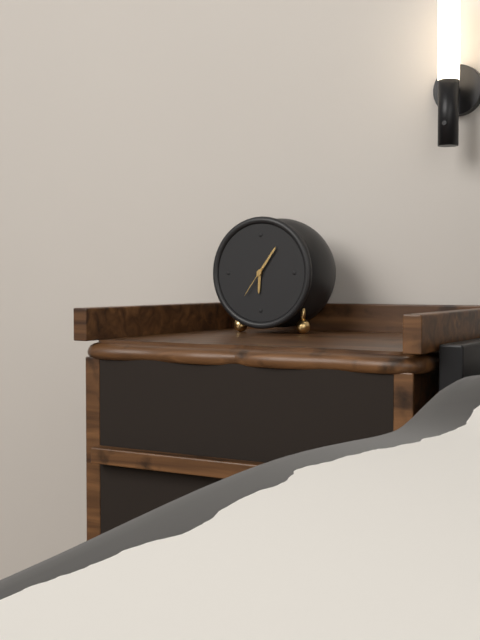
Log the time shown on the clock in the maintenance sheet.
6:06
